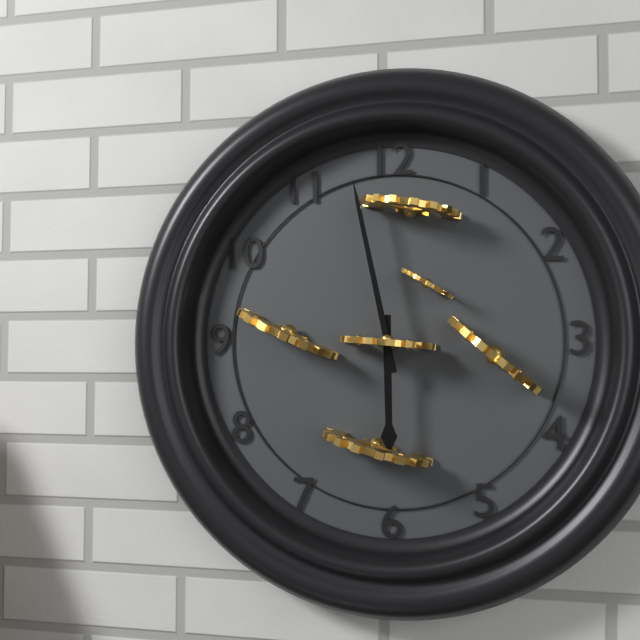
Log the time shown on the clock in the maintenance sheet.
5:58
